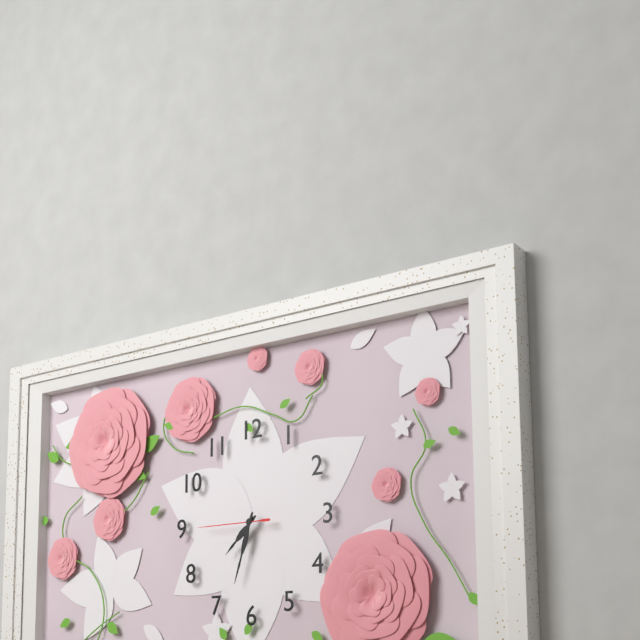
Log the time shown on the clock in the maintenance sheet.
7:33:45
